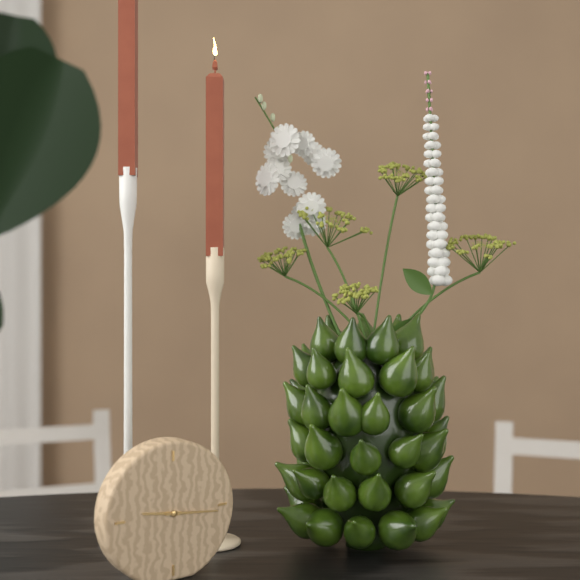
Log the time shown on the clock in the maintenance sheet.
9:16
